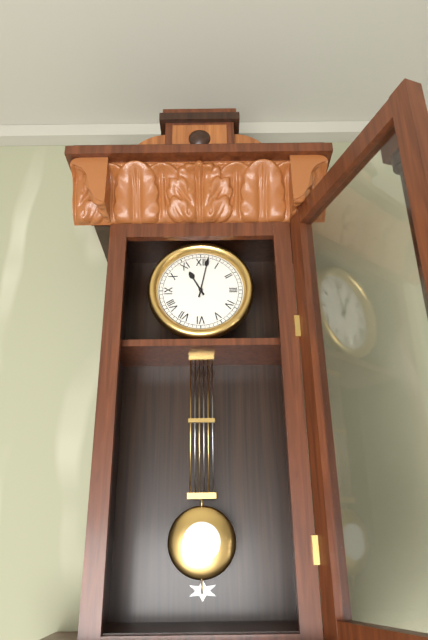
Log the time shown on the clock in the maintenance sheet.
11:02
